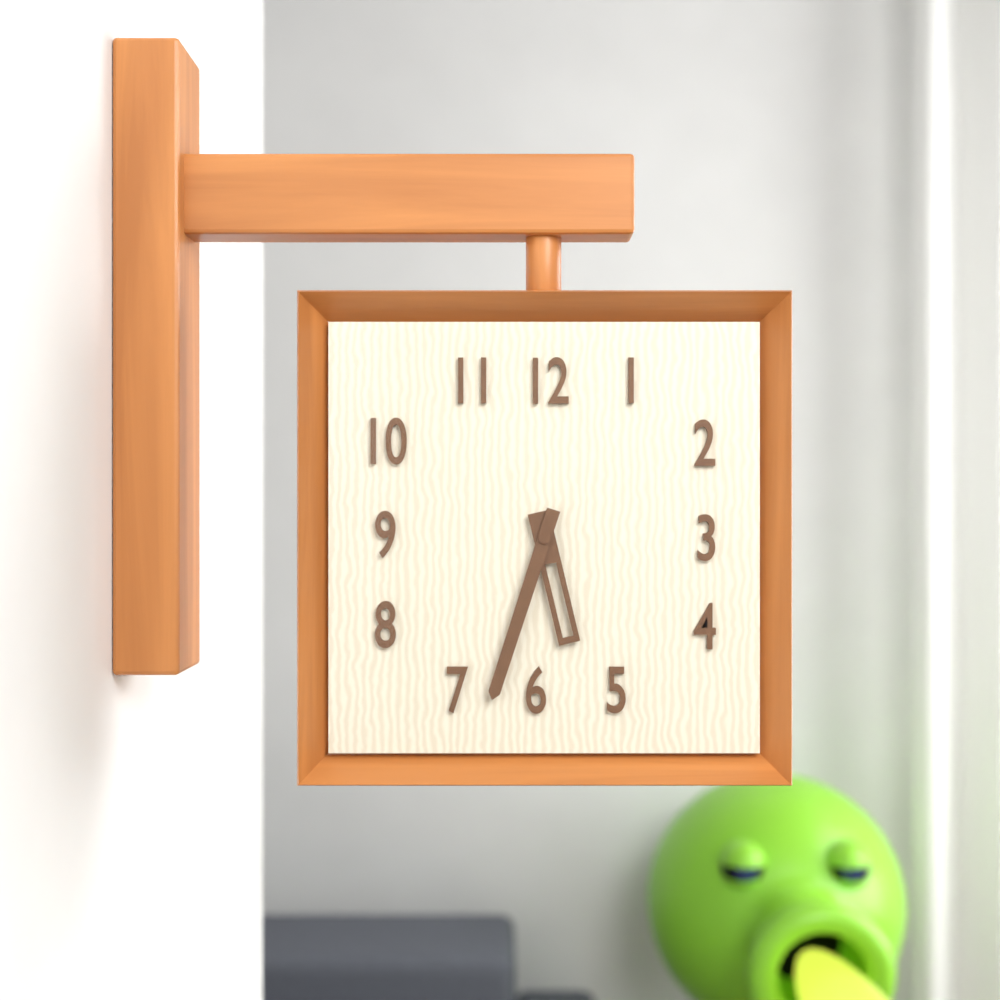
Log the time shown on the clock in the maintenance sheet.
5:33
